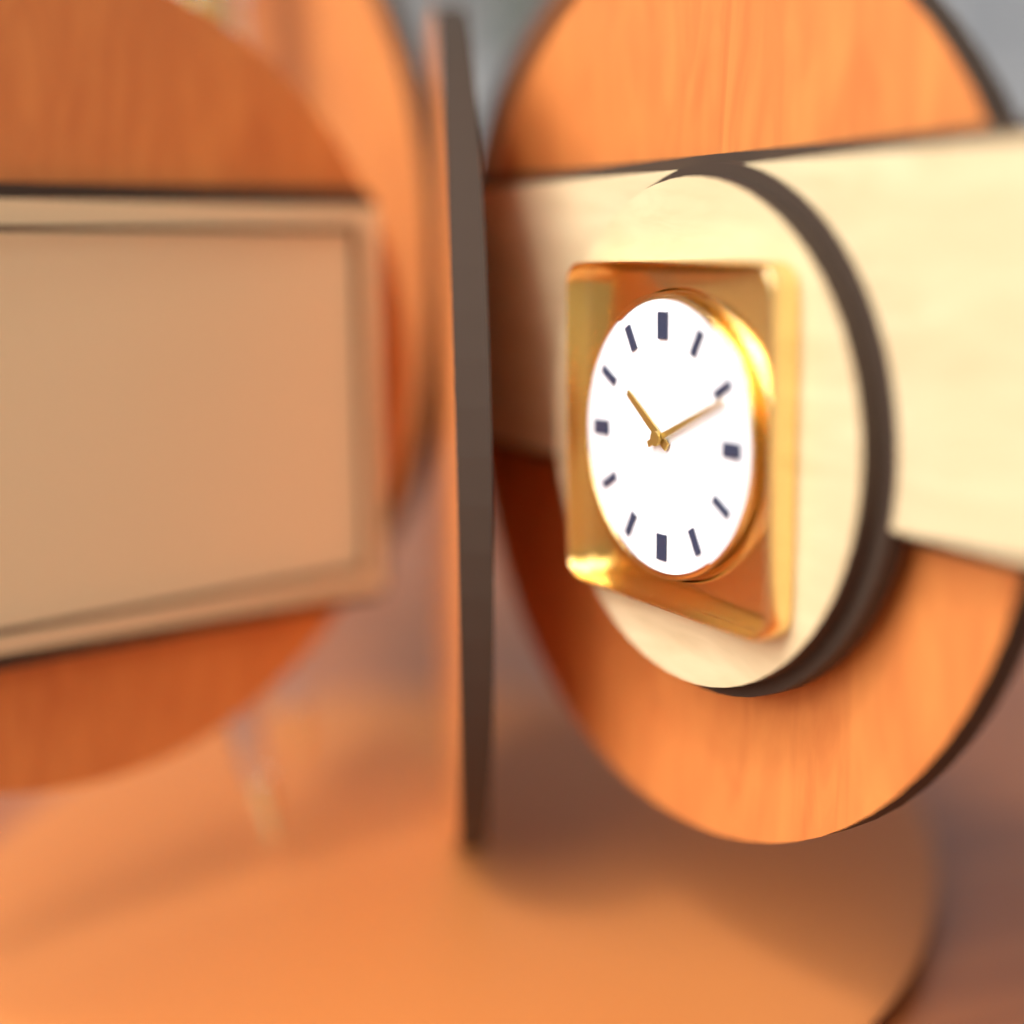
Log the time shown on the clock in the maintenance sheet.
10:11
